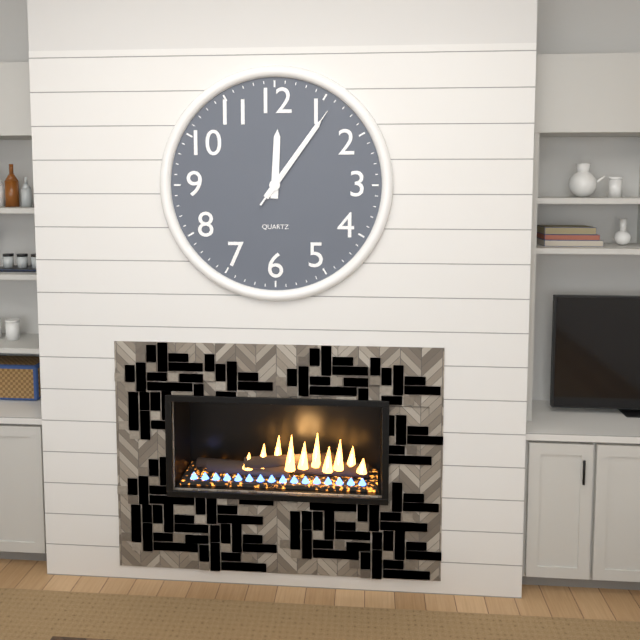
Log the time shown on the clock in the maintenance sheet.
12:06:06
